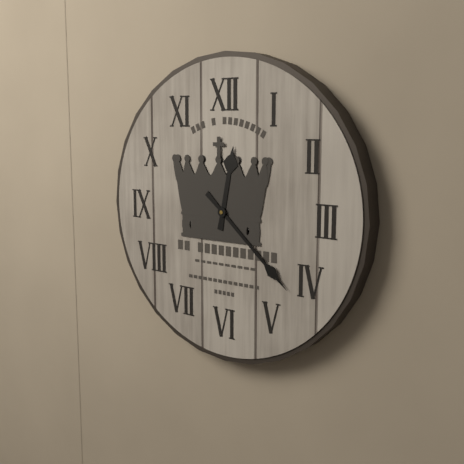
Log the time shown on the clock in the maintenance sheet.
12:22
